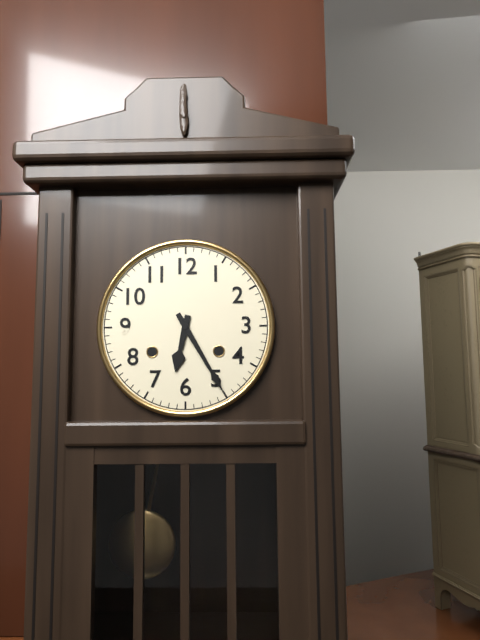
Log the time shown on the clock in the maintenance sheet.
6:25
